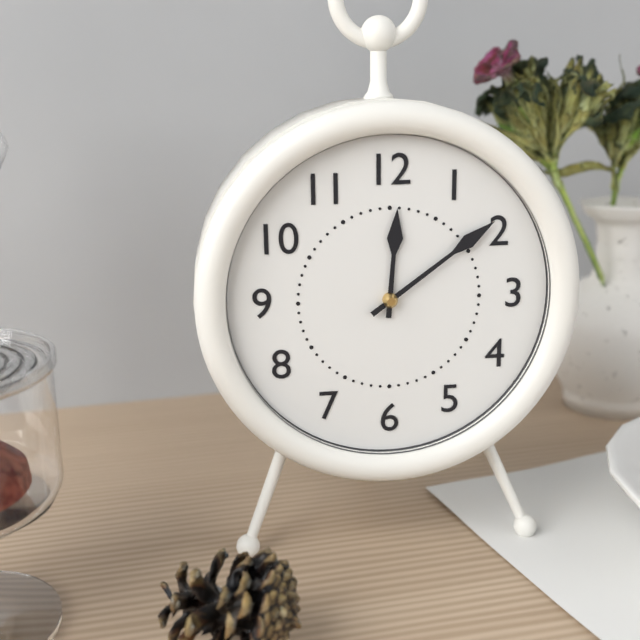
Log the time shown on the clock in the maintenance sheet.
12:09
